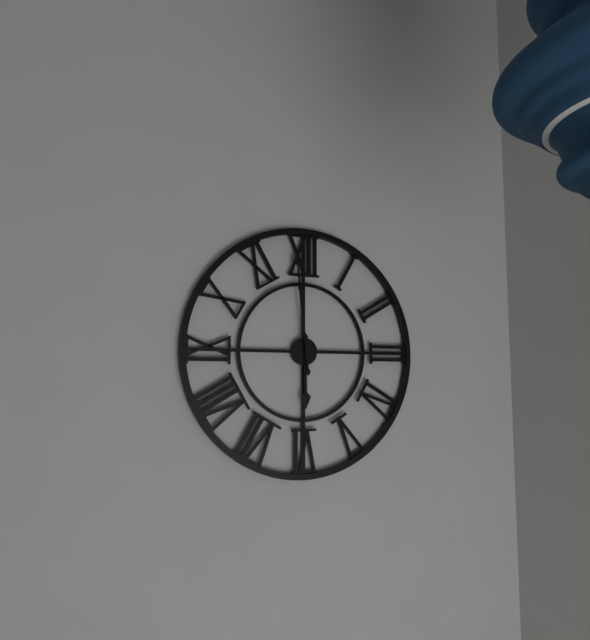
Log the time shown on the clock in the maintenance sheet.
5:59
